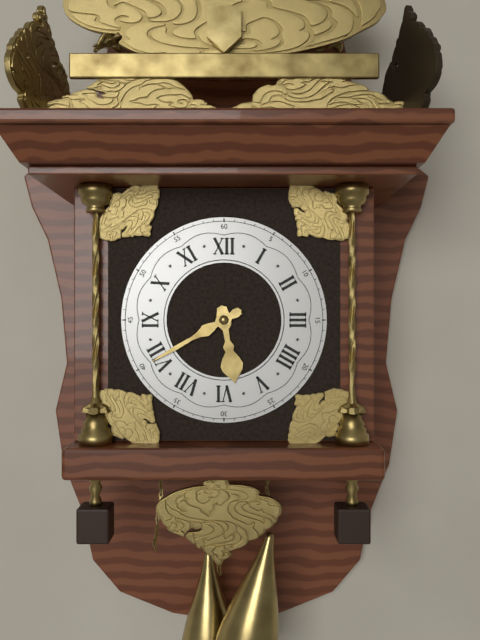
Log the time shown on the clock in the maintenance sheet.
5:40
